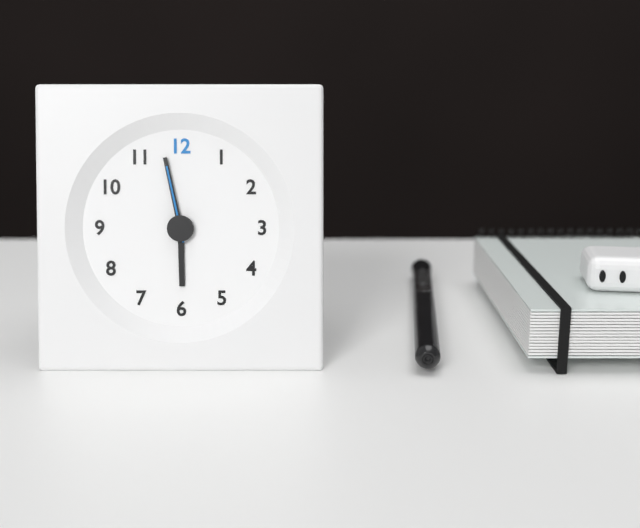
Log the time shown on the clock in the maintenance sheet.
5:58:58
